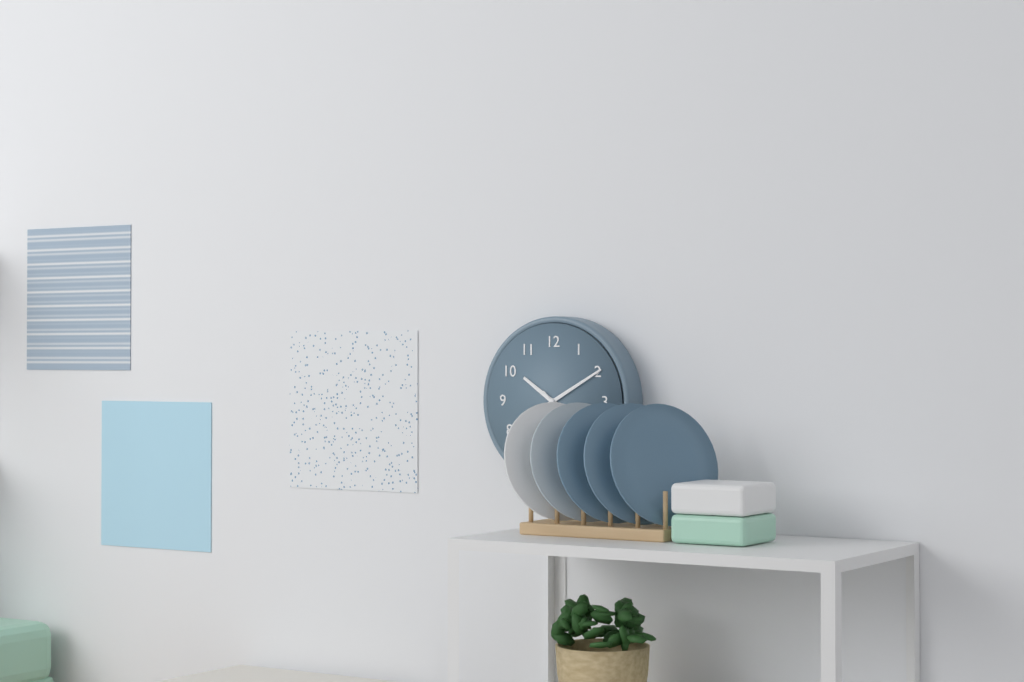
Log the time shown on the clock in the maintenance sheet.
10:10
